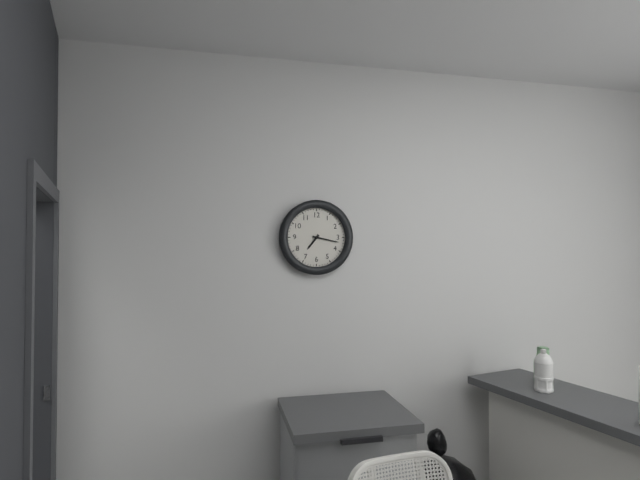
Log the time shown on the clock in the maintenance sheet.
7:17
